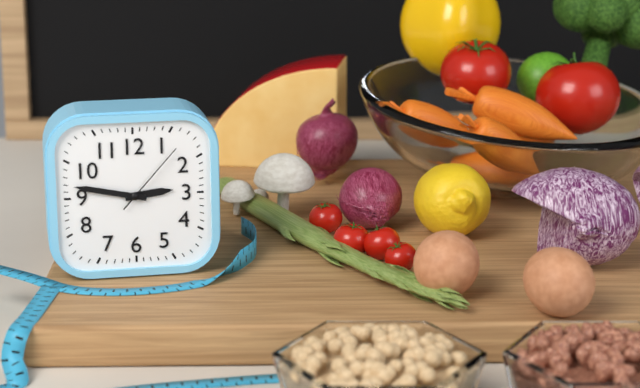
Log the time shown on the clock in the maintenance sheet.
2:47:07
